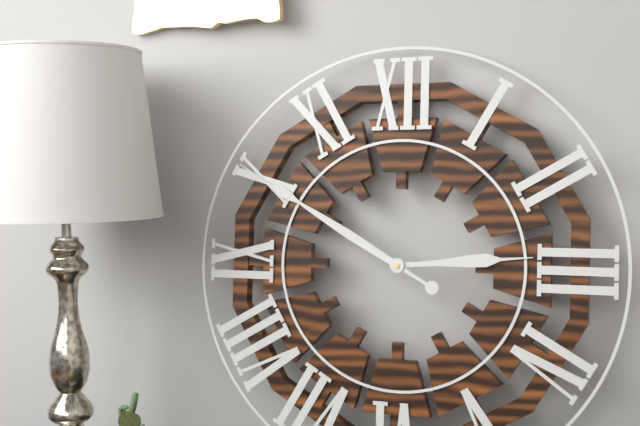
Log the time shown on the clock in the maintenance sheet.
2:50
